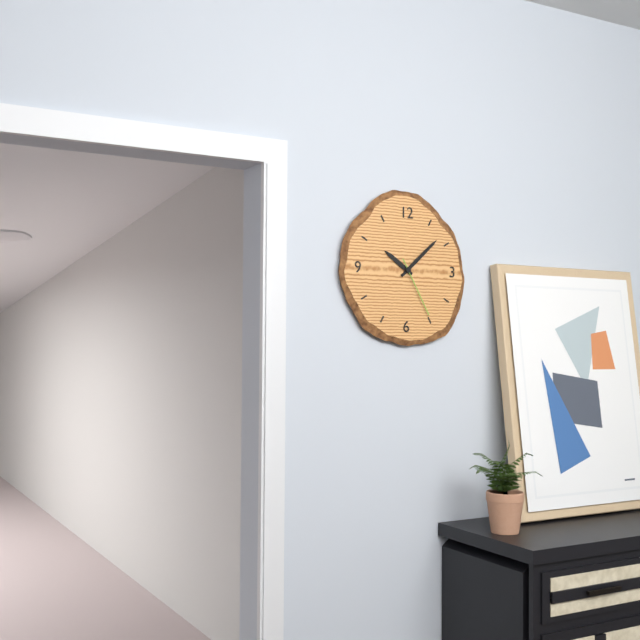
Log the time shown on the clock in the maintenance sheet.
10:08:25
